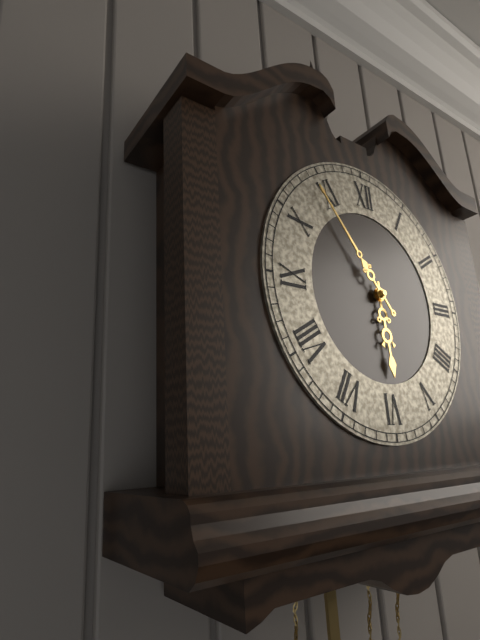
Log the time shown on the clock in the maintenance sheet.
5:54
